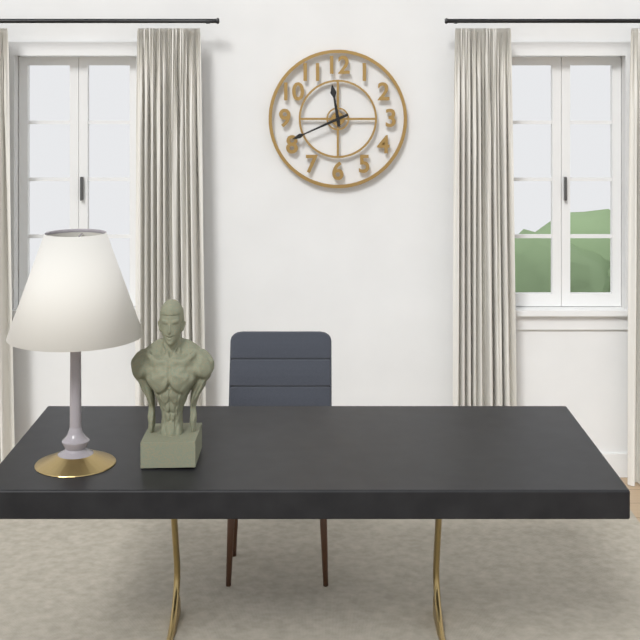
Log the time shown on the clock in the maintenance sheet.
11:41
